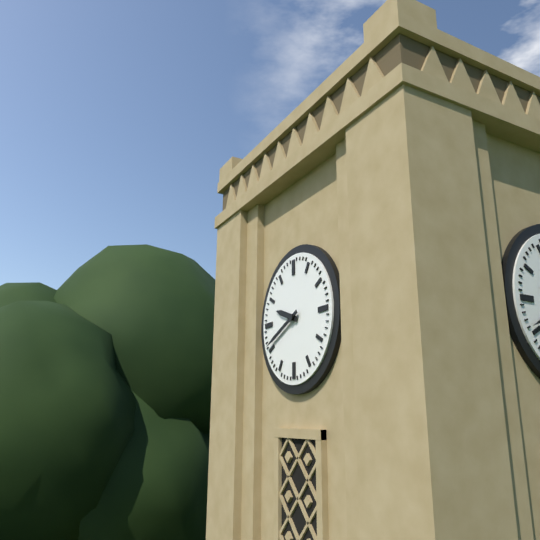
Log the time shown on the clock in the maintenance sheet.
9:41
